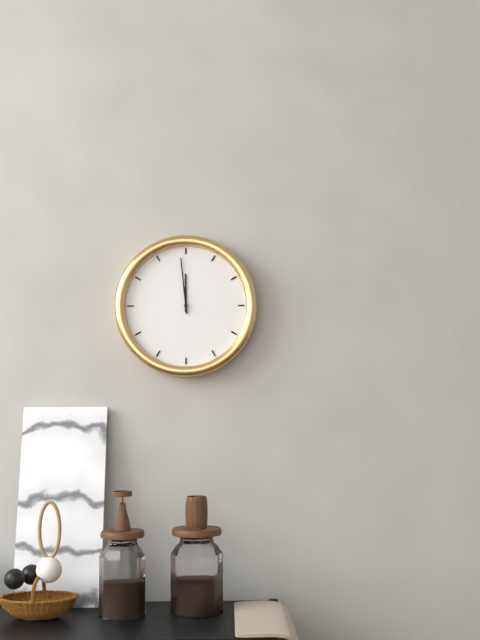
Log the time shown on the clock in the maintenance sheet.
11:59
